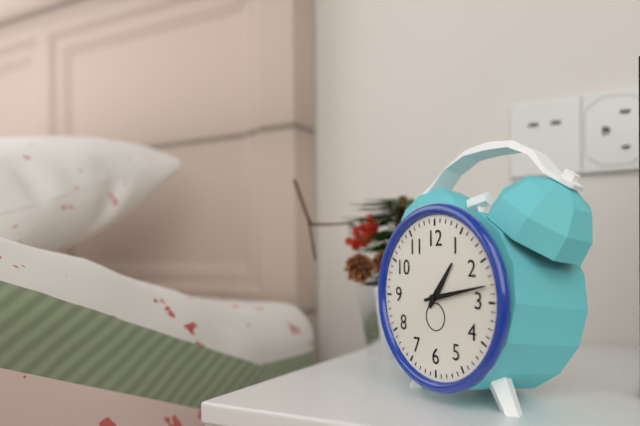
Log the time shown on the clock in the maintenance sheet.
1:13
